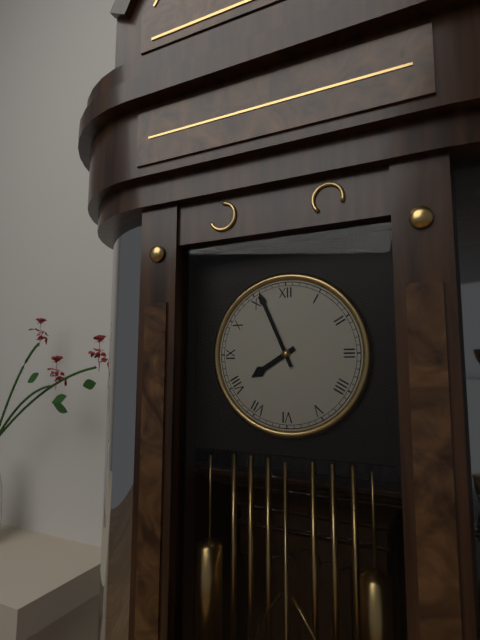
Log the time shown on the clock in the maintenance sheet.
7:56
